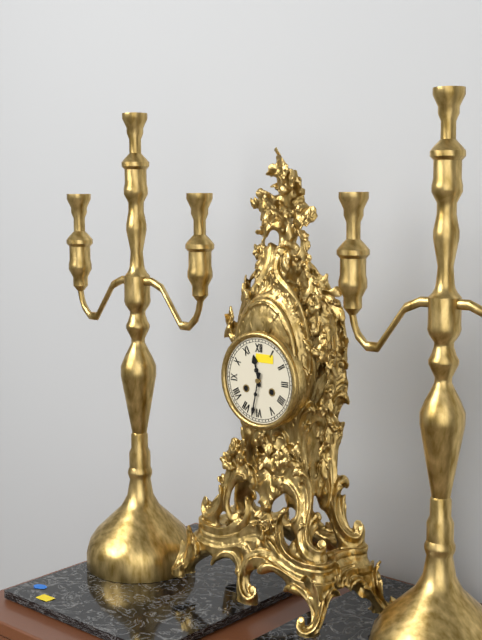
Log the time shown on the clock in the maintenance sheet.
11:32
